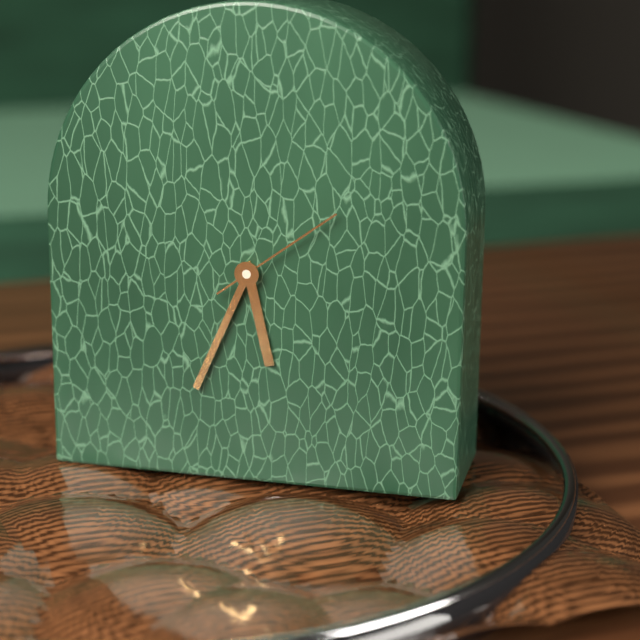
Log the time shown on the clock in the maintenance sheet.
5:34:09
